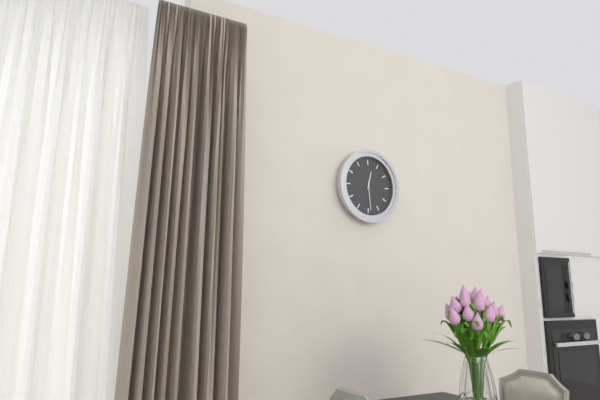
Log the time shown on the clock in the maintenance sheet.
12:29
